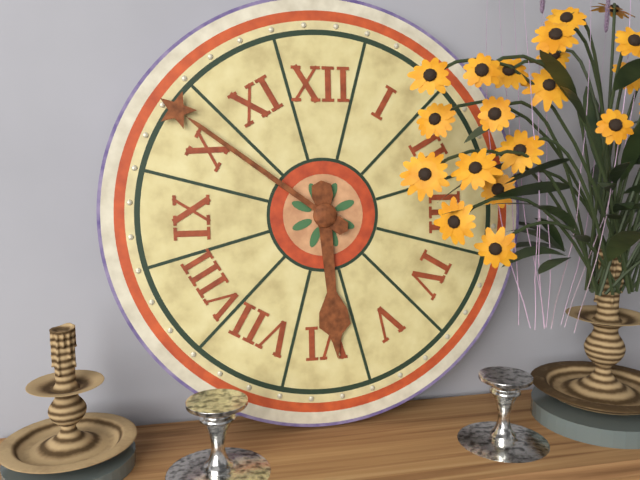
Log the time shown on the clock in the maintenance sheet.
5:51
